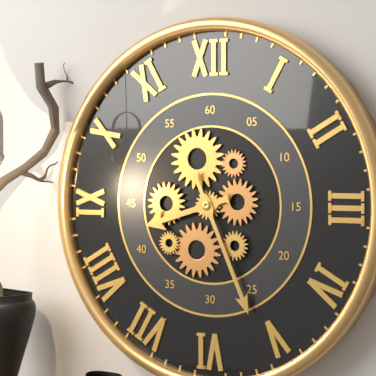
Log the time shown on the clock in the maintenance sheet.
8:26
